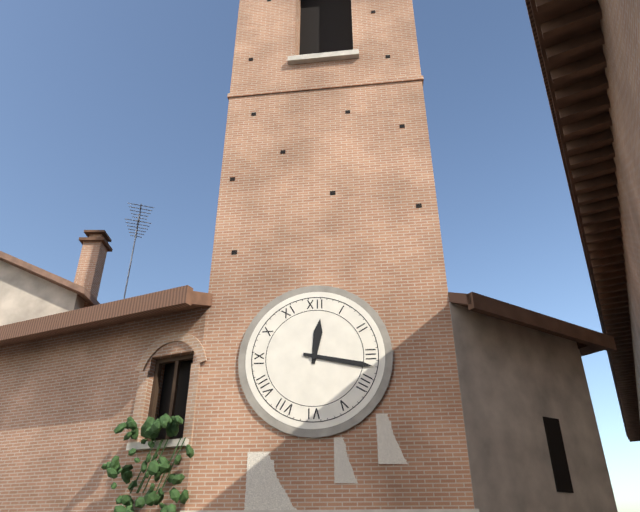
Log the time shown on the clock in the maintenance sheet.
12:17
